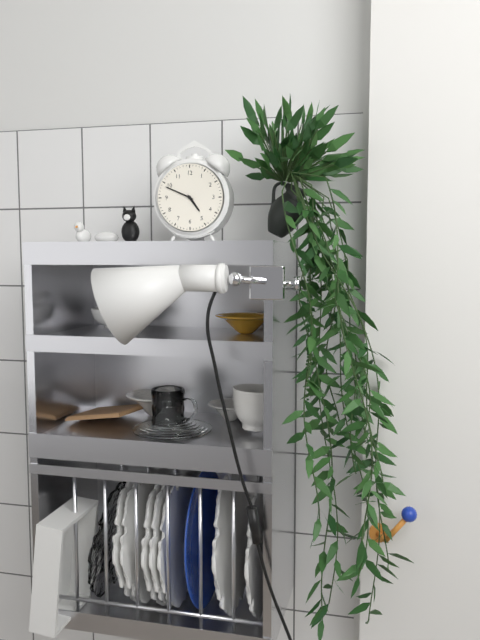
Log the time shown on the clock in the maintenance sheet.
4:49
